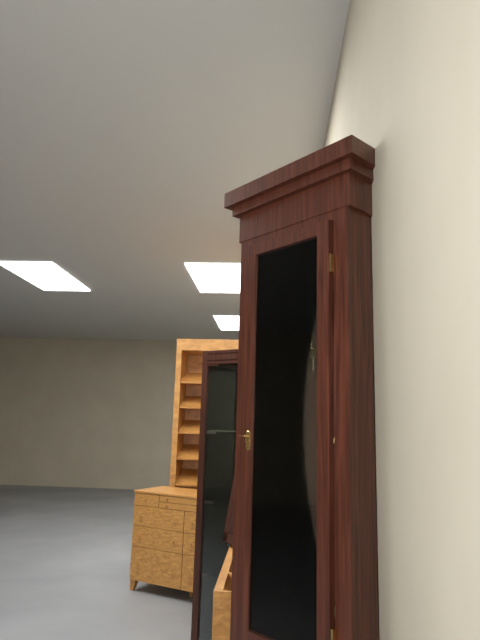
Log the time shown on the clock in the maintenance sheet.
9:57
